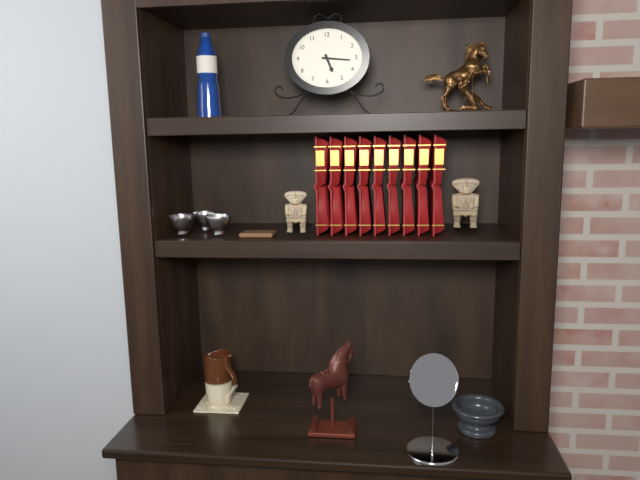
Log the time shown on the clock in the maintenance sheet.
5:16
